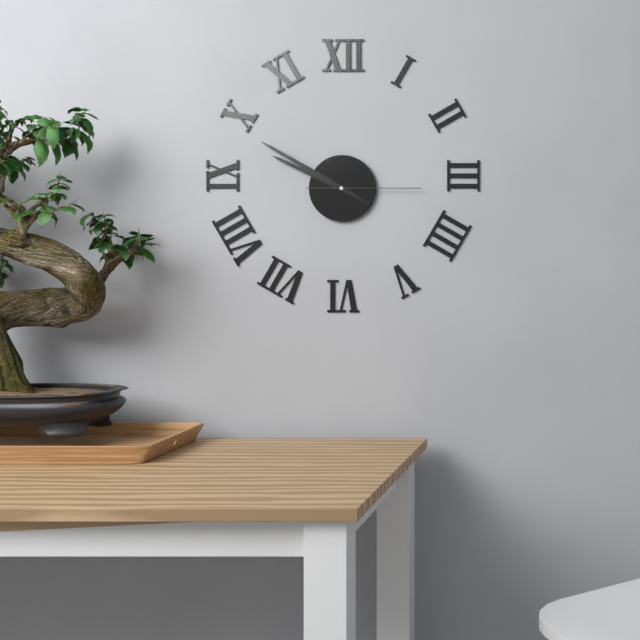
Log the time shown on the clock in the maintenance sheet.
9:50:15
